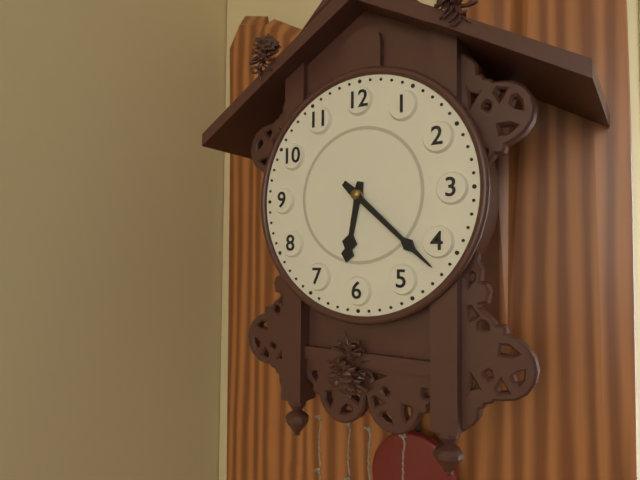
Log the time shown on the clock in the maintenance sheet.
6:22
